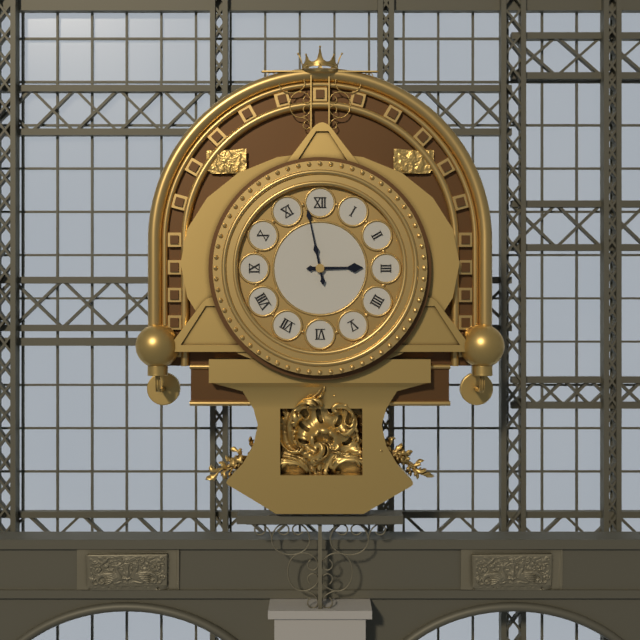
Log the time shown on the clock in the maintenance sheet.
2:58
